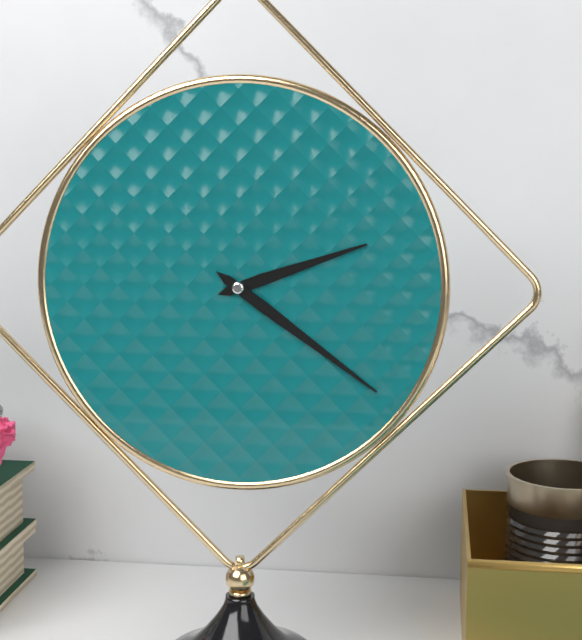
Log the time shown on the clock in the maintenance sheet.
2:21
